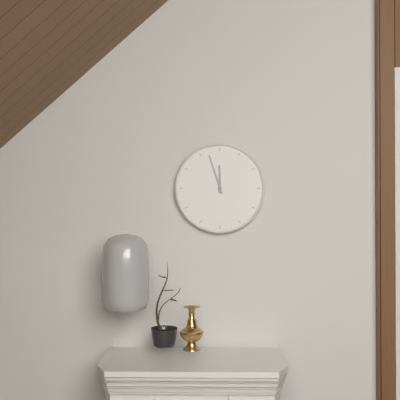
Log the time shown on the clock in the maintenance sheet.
11:57
